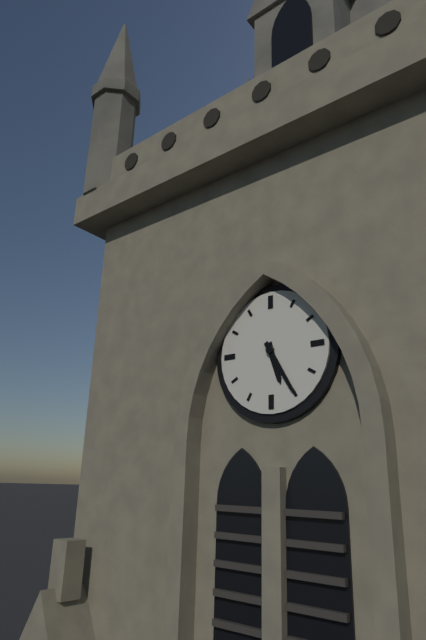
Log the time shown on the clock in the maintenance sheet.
5:25
